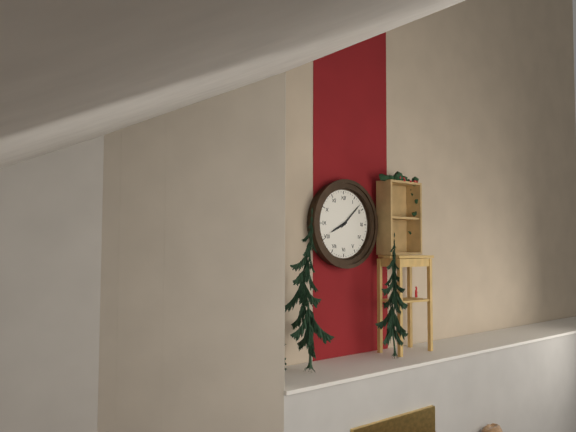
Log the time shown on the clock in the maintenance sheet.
8:08
